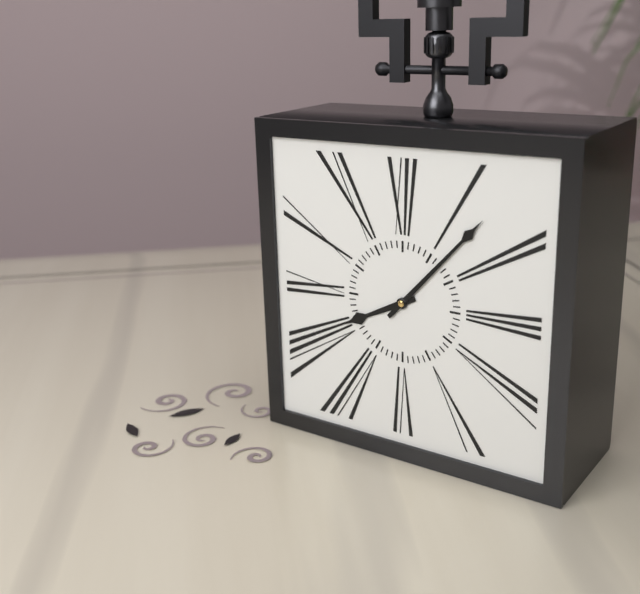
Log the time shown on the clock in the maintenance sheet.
8:07
